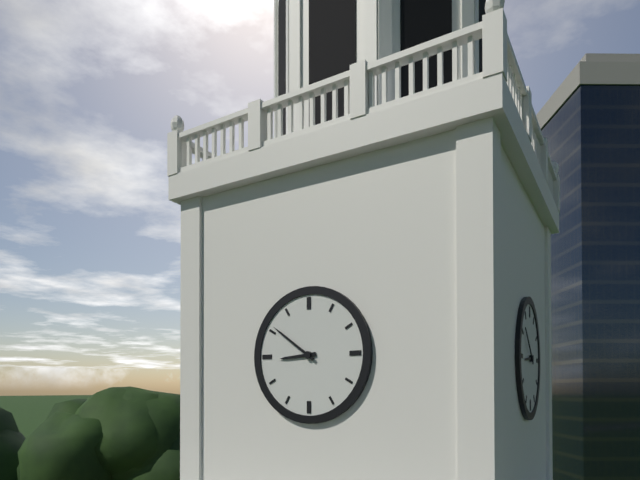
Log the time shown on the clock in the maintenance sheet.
8:51
